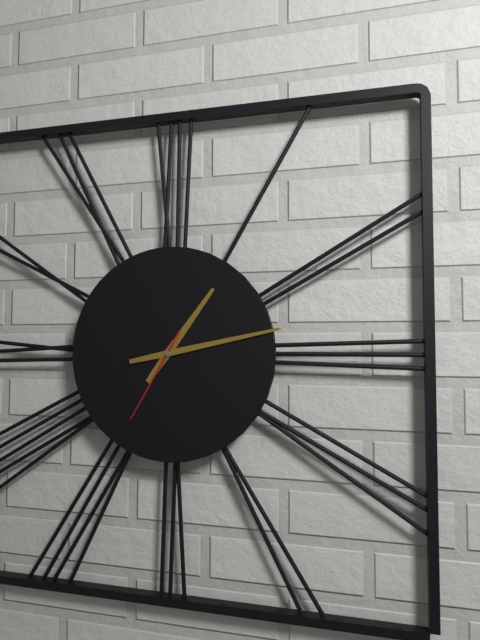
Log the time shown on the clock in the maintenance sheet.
1:13:35
